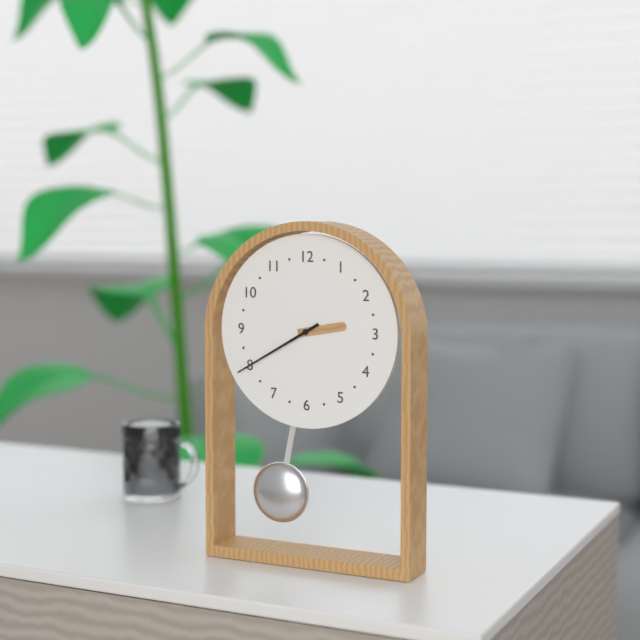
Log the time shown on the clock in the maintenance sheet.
2:40
